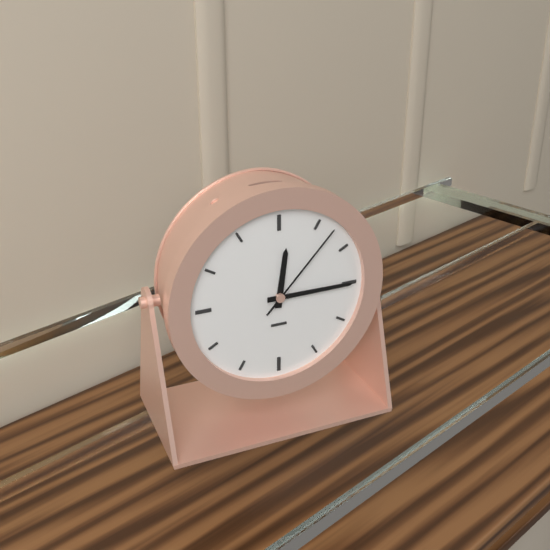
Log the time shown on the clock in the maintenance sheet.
12:15:07
